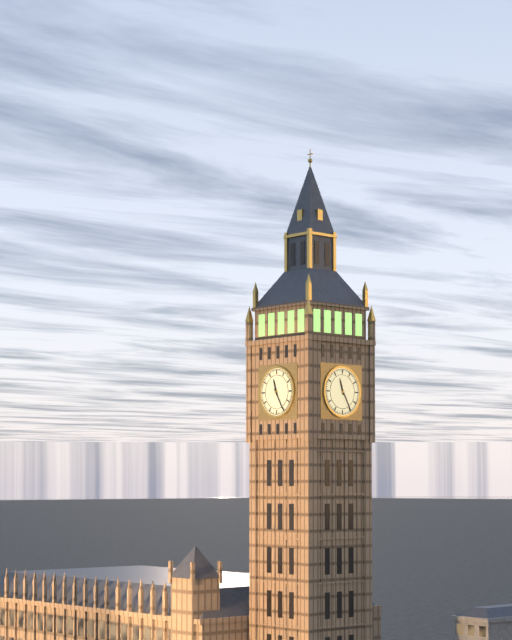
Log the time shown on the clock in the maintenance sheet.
11:25
